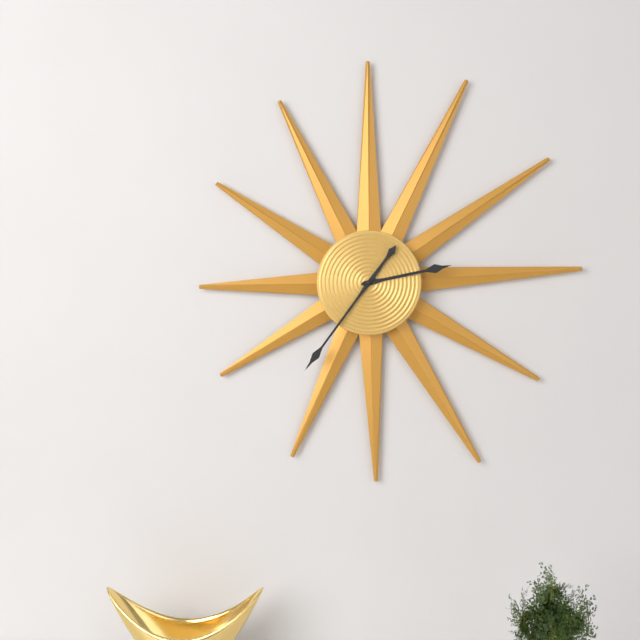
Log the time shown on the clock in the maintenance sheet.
2:36
